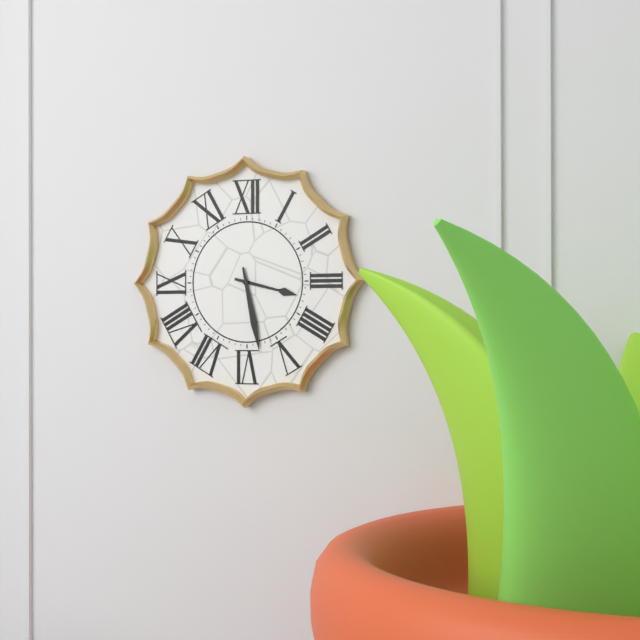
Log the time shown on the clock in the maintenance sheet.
3:28
